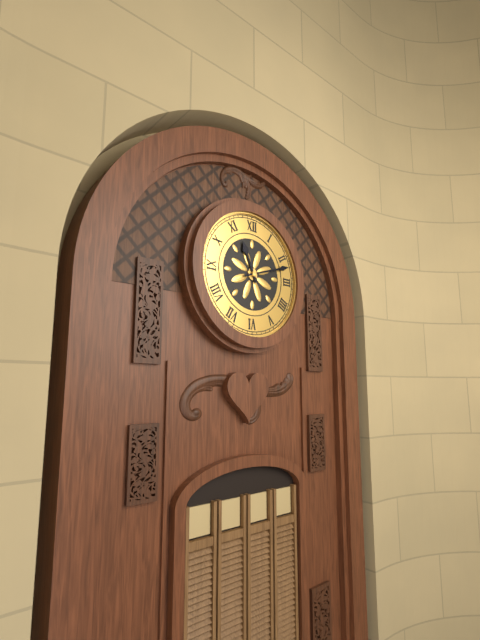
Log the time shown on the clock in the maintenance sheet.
11:12
